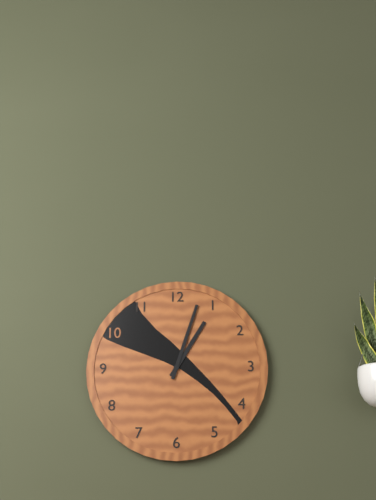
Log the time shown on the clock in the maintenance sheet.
1:03
